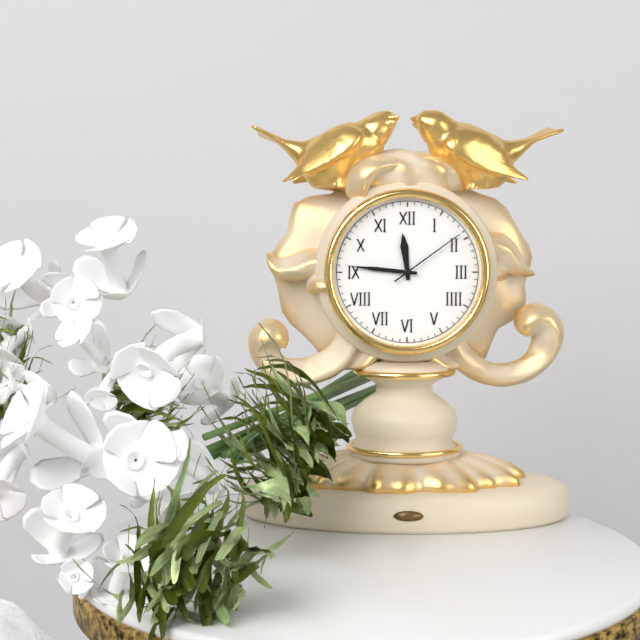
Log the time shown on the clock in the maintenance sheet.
11:46:09
